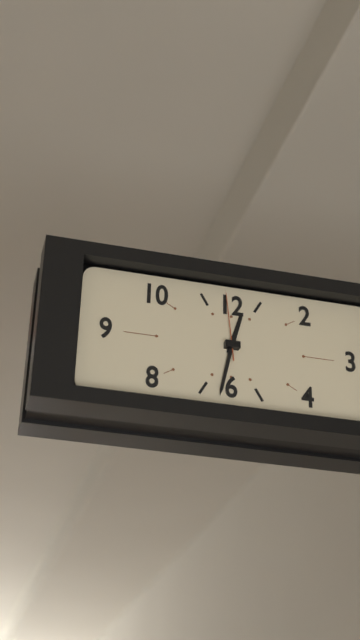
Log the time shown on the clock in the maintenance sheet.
12:32:59
